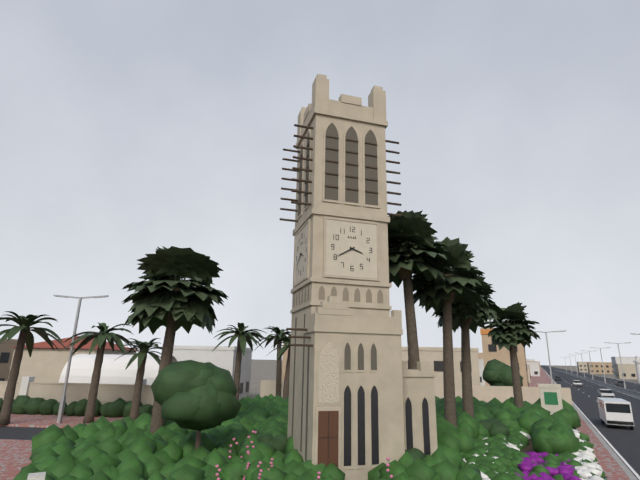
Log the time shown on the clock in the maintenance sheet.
3:40
